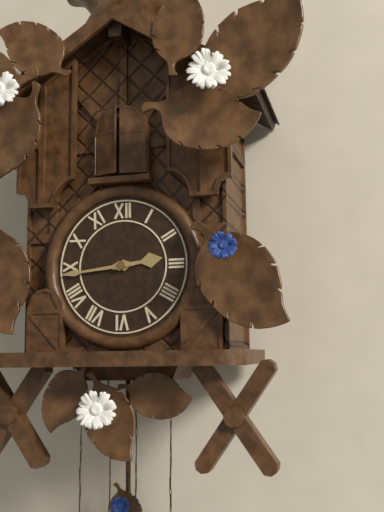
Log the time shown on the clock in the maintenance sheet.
2:44
